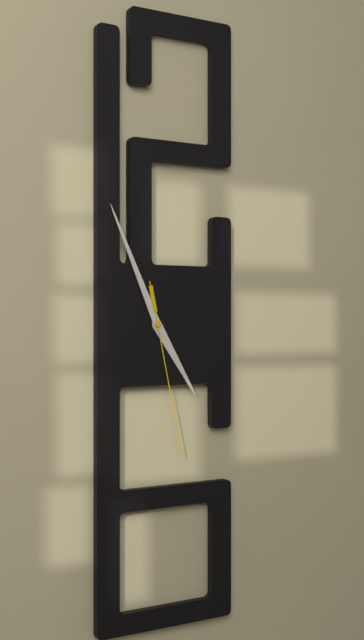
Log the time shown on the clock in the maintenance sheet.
4:56:28
